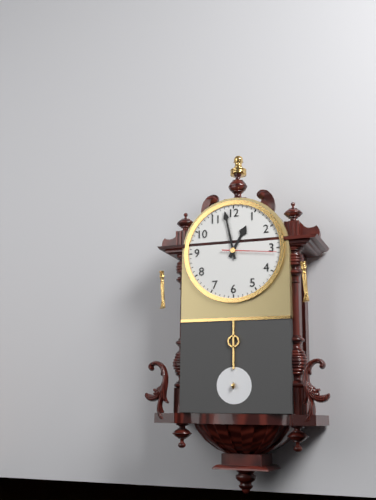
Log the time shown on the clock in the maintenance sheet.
12:58:16
